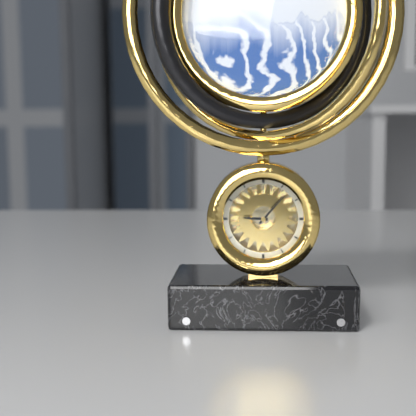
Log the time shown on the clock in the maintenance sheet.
9:07
